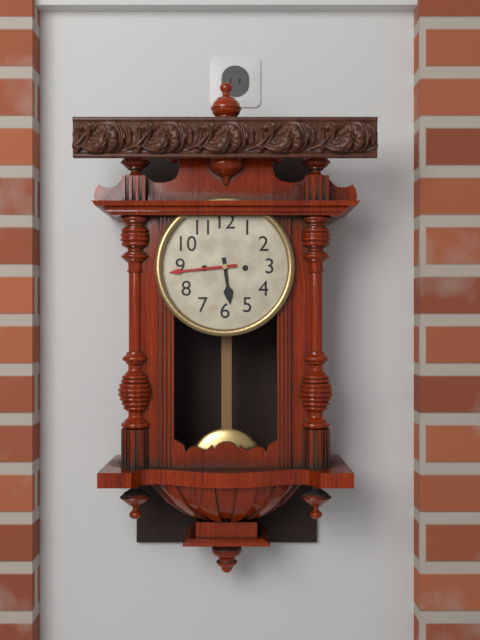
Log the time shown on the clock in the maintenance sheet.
5:44
